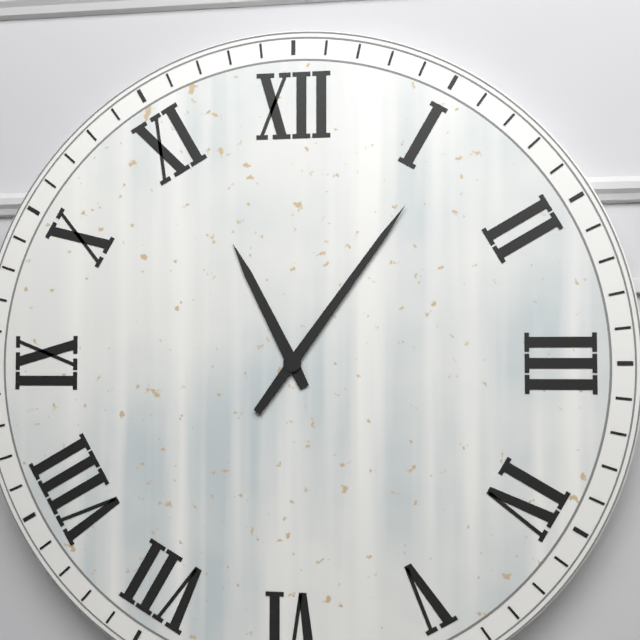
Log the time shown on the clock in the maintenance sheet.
11:06
